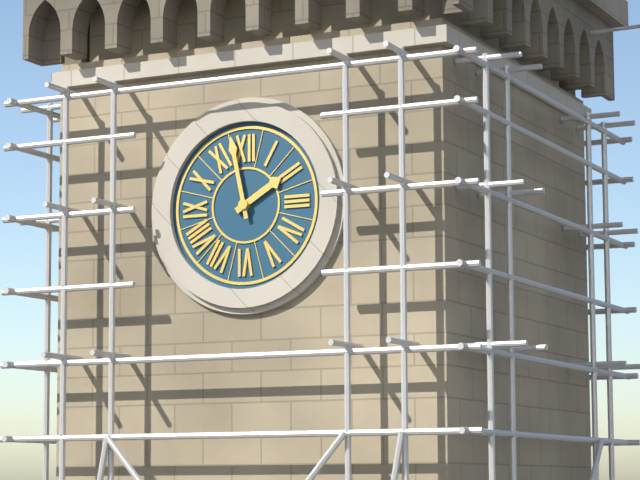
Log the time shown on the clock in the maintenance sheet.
1:58
